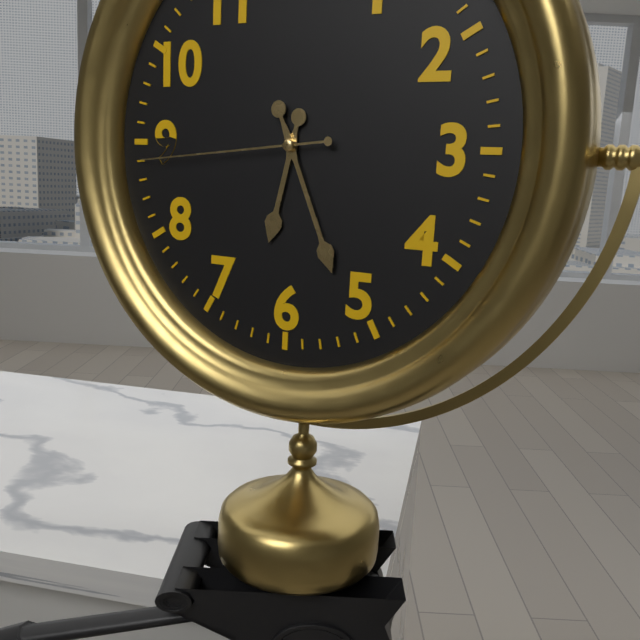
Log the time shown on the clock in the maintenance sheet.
6:26:44
